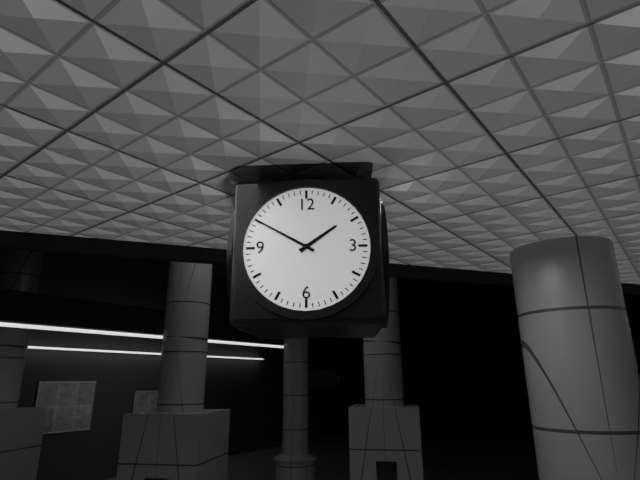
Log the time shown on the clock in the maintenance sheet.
1:50
